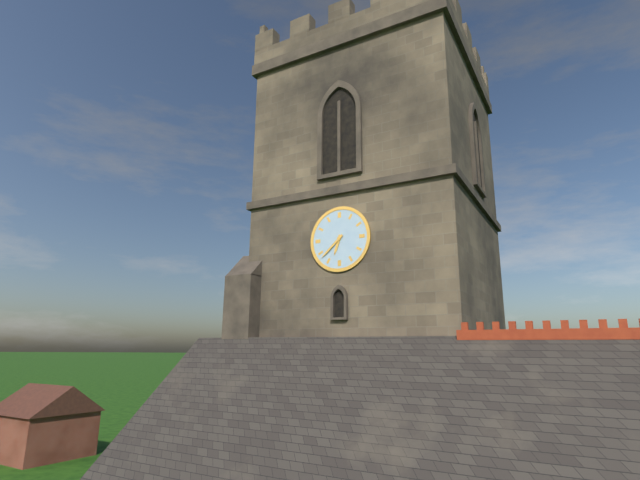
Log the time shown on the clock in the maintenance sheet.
6:38
